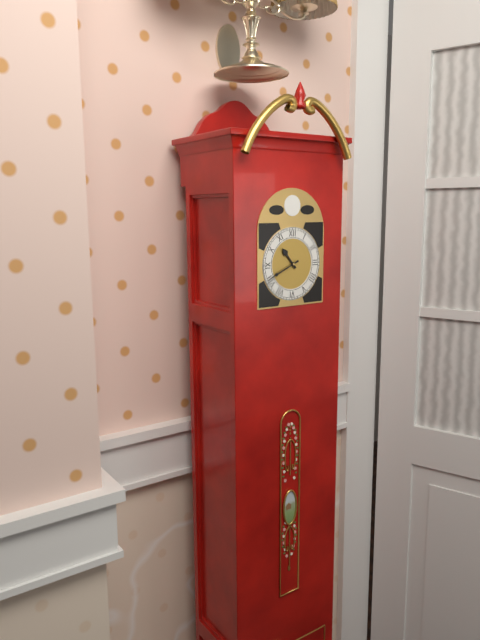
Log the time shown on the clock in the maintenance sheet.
10:41
